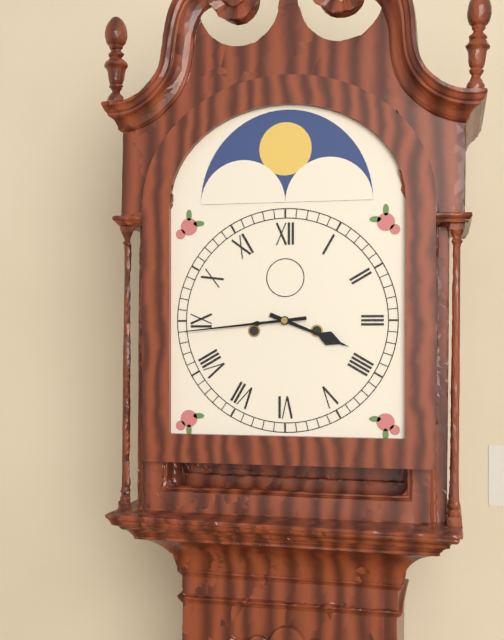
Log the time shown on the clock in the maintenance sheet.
3:44
